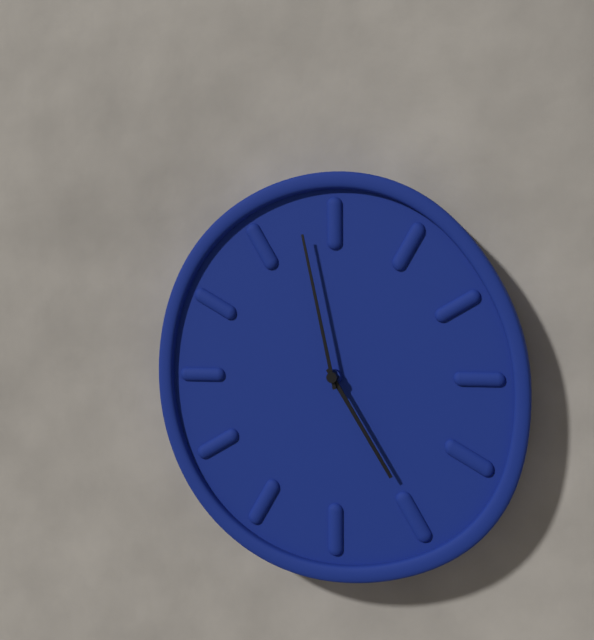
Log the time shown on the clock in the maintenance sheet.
4:58
